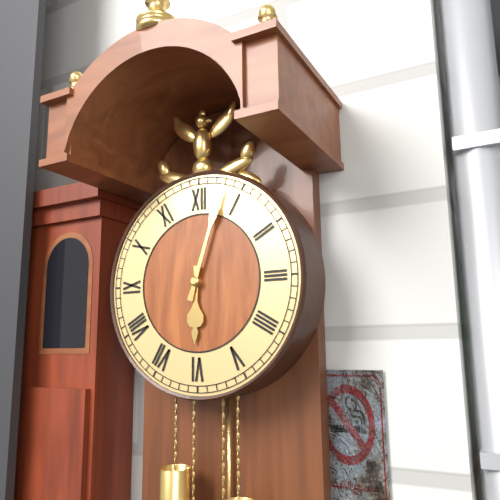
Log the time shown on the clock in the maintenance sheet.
6:03
